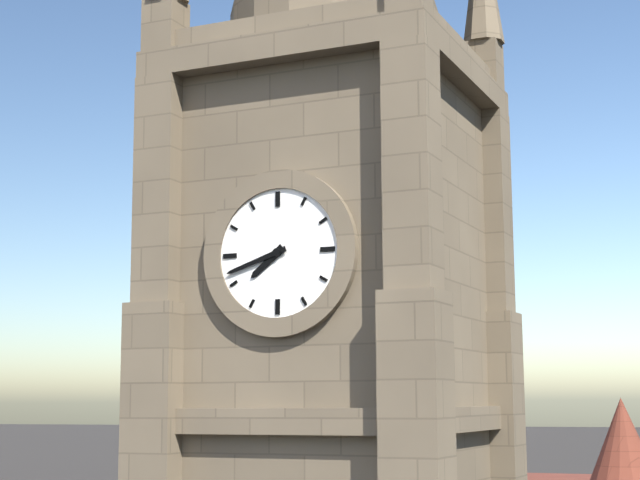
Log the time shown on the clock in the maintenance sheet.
7:42
